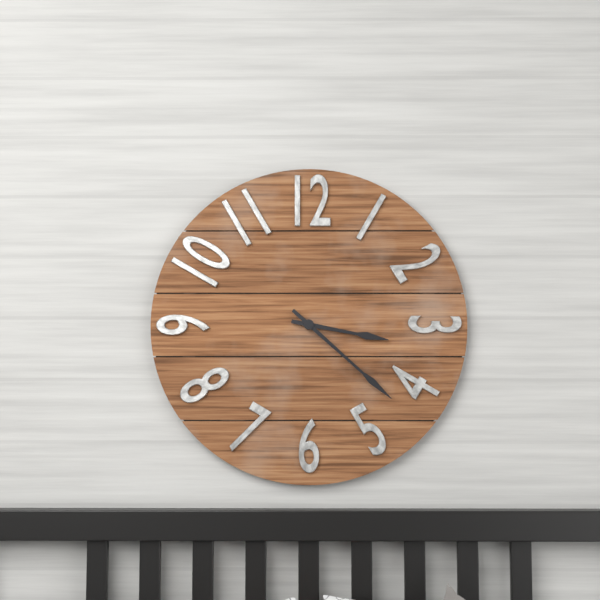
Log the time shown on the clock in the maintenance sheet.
3:22
